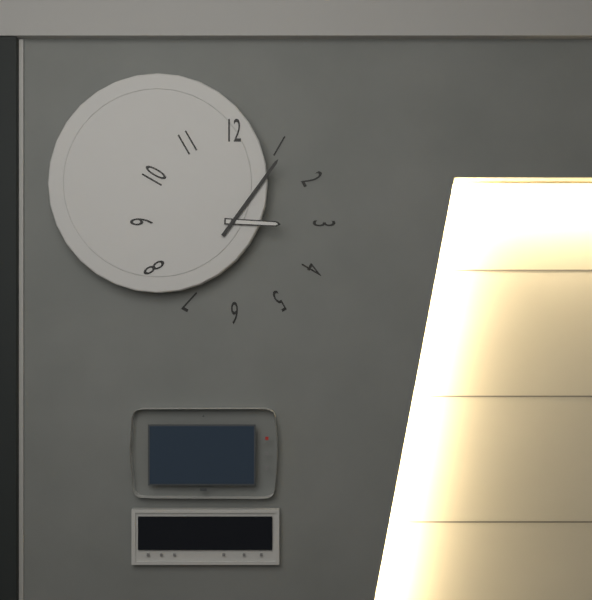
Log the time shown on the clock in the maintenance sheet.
3:06
